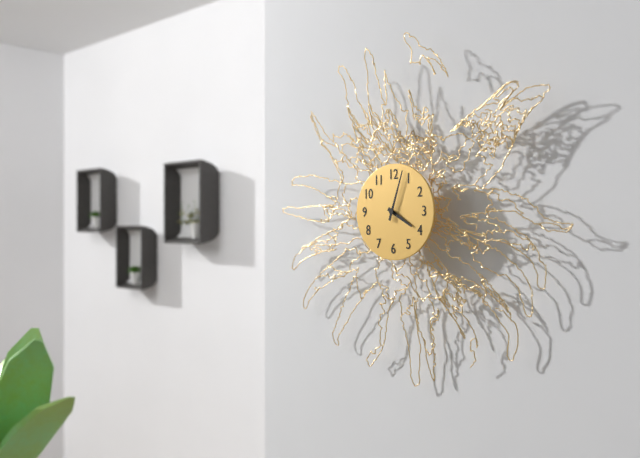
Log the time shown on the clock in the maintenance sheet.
4:03
